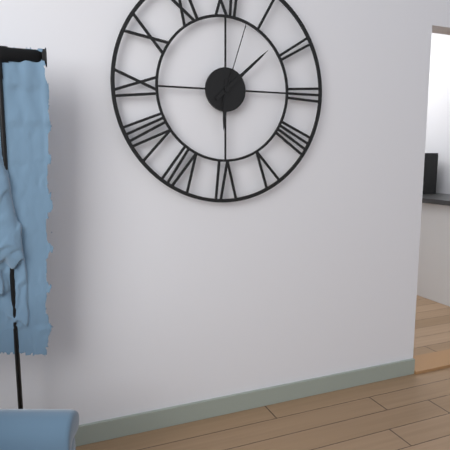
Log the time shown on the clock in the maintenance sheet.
6:08:03
